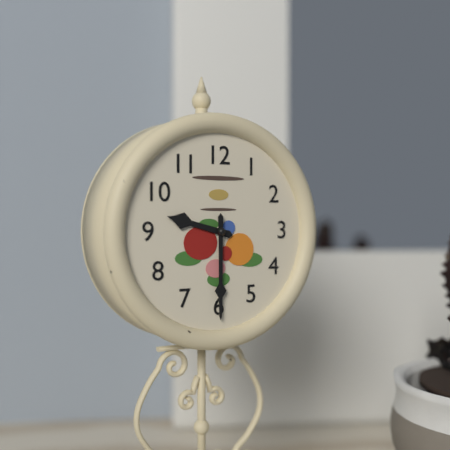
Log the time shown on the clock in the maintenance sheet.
9:30
